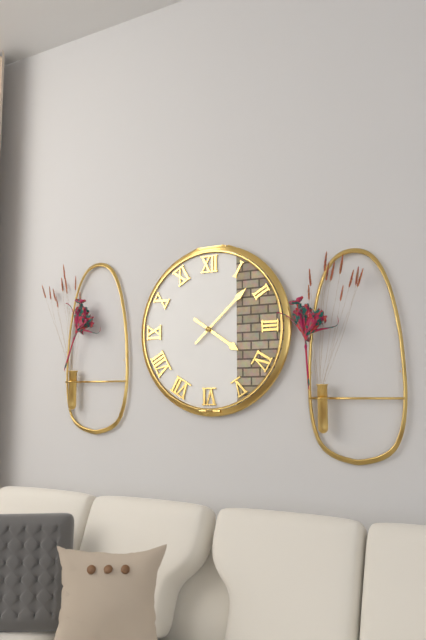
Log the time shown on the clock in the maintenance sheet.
4:08
